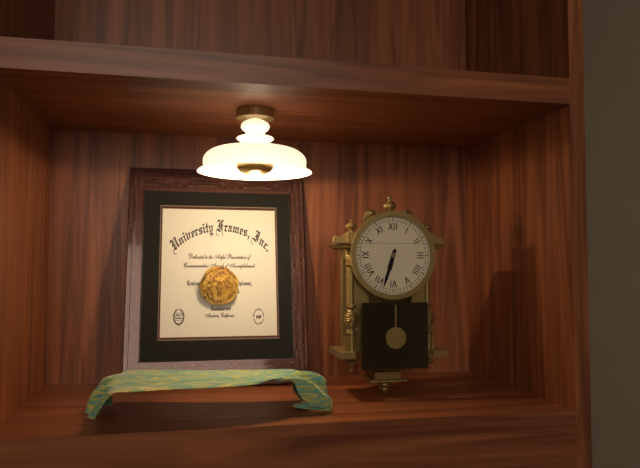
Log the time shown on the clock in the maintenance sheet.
6:33
